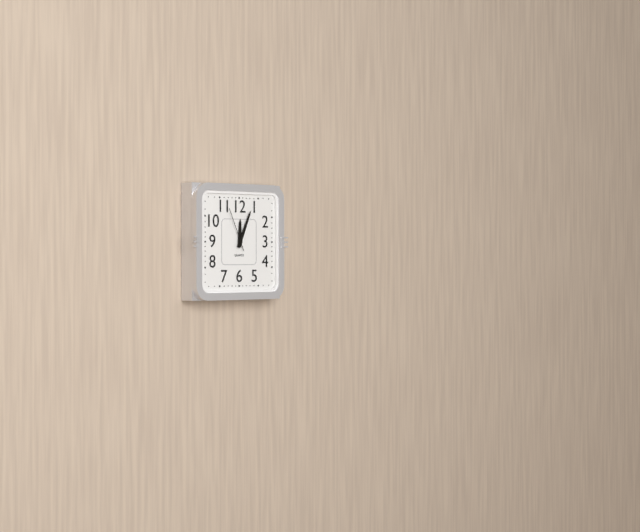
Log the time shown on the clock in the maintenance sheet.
12:04
